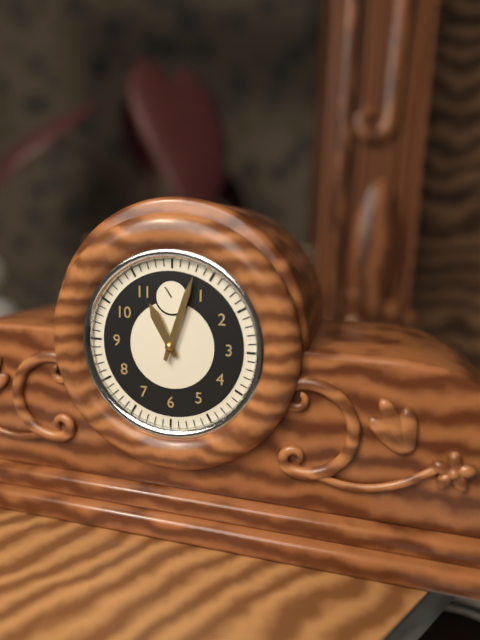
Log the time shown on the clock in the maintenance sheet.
11:03
